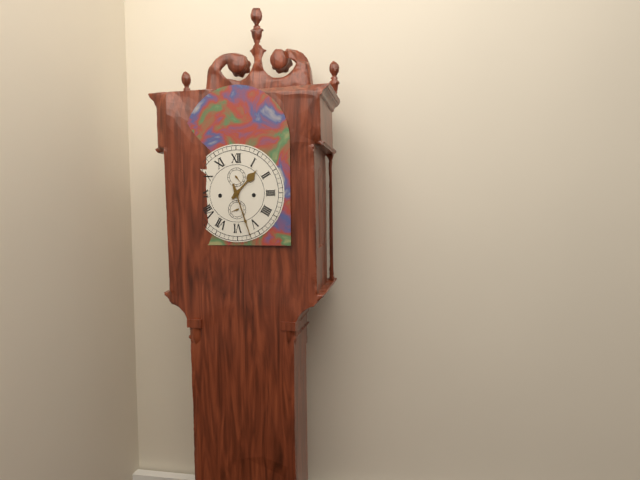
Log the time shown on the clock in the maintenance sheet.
1:27
